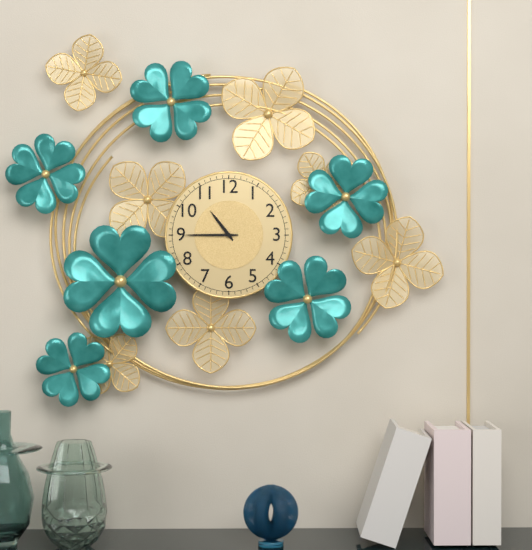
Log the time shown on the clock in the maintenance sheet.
10:45
